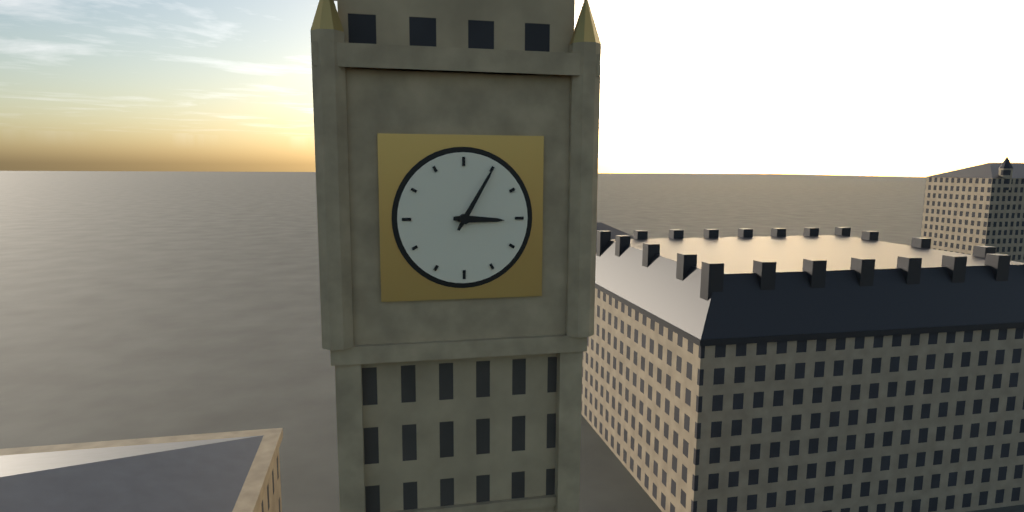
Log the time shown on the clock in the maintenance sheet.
3:05
